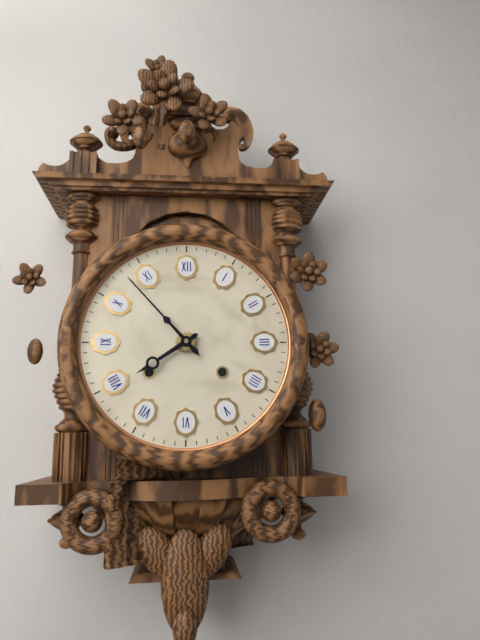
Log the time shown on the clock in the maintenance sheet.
7:53
